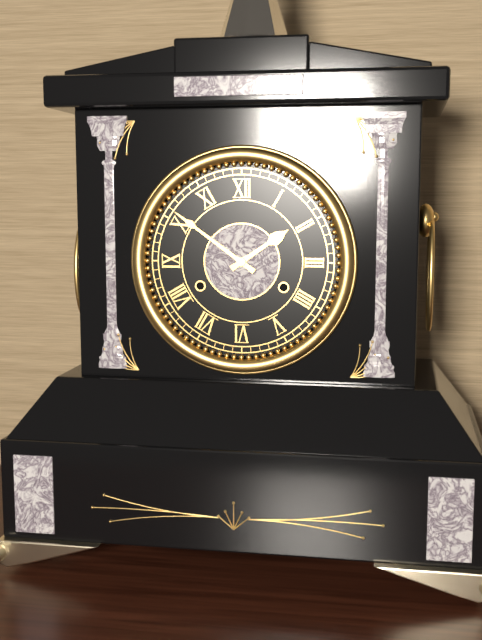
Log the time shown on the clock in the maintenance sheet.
1:51
